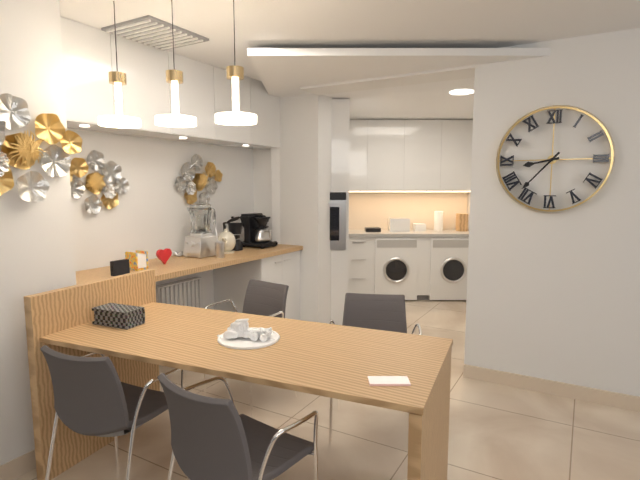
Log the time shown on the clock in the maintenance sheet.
8:37
